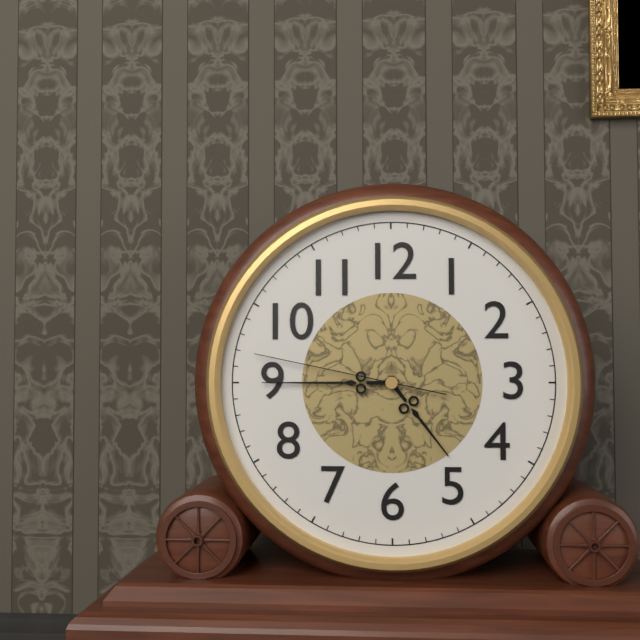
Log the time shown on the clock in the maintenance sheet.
4:45:47
